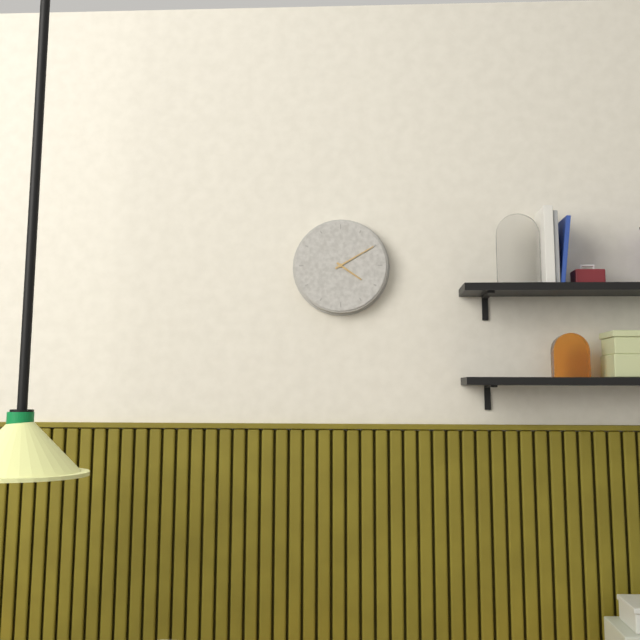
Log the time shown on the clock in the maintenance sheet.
4:10
